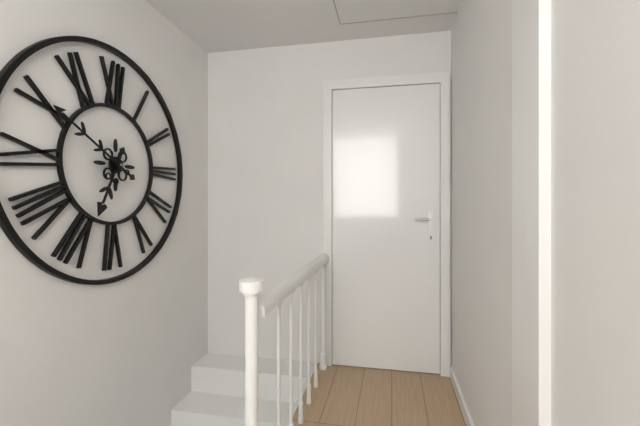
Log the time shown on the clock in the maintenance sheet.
6:50
